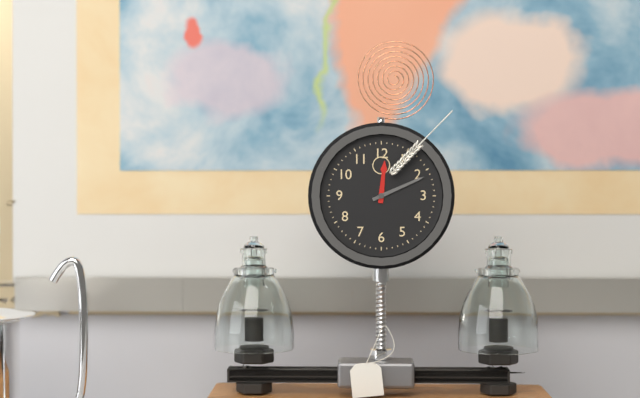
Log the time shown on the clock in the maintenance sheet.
12:11
